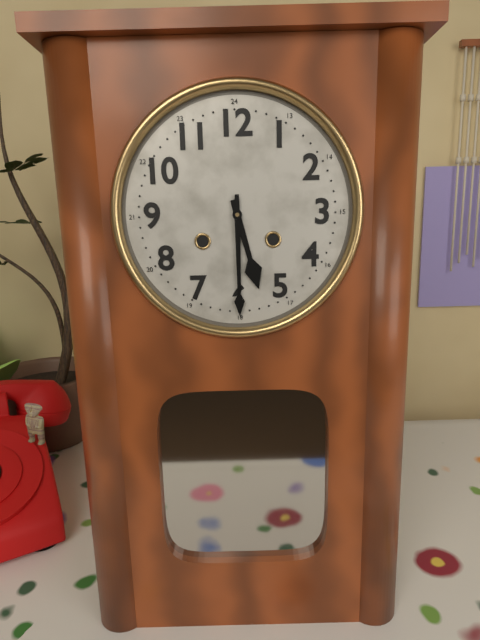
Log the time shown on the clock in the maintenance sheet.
5:30
